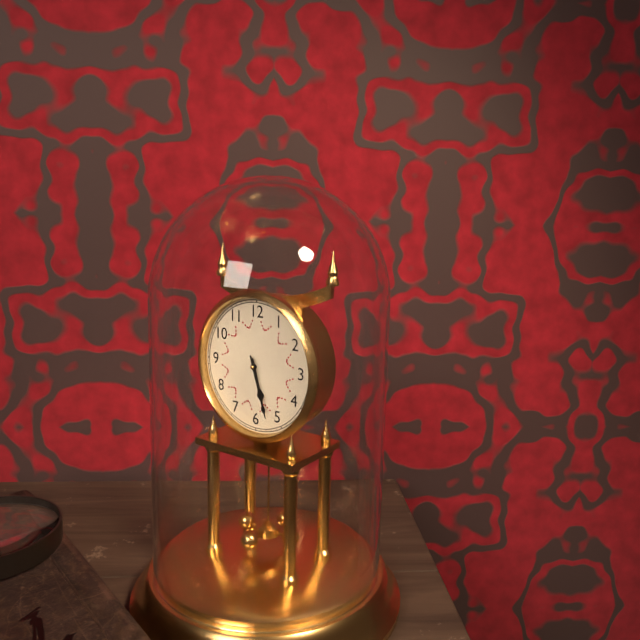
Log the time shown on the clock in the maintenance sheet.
5:27
